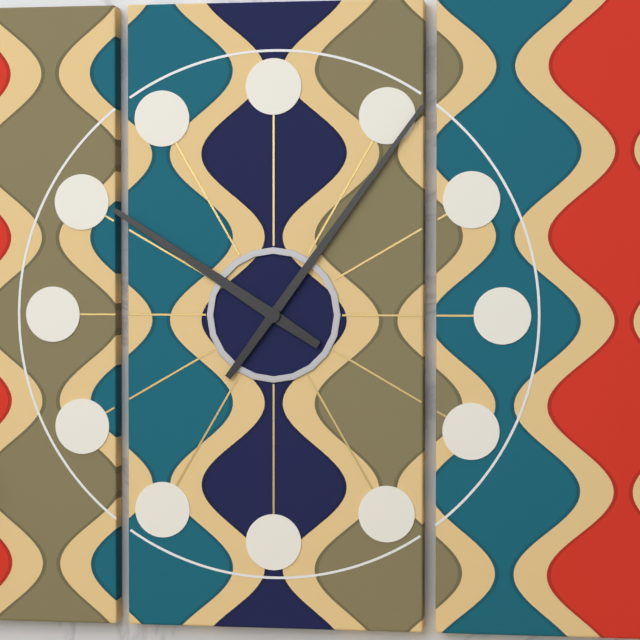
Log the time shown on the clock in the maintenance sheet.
10:06
